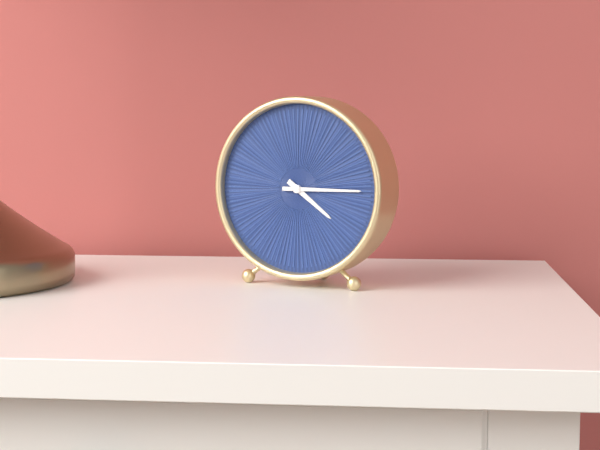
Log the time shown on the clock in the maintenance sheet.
4:15
